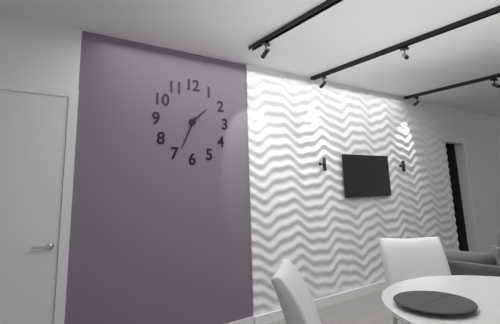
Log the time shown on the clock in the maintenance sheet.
1:34
